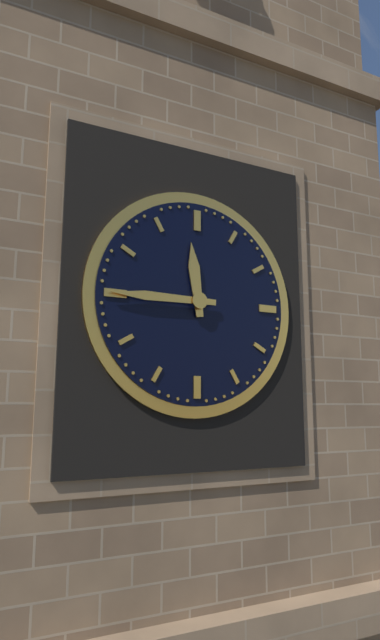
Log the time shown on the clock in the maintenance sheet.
11:45
